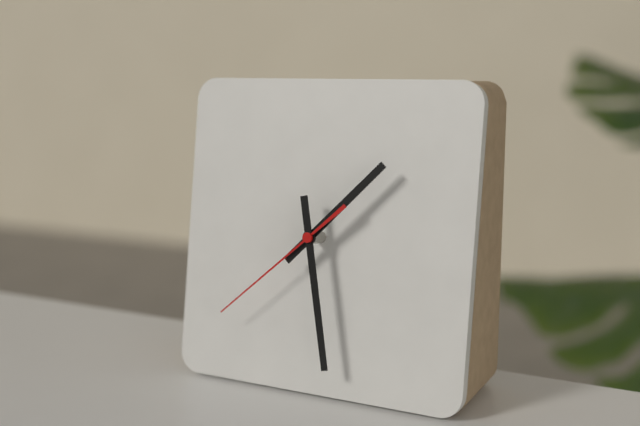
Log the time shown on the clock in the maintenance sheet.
1:28:38
